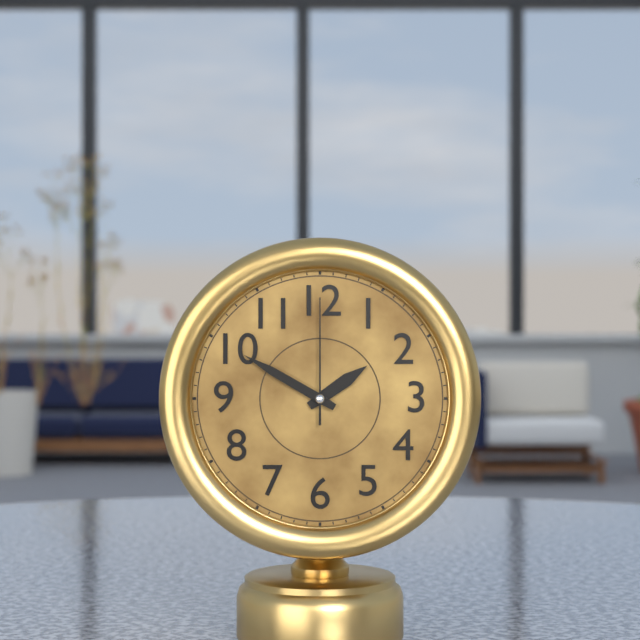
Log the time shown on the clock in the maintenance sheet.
1:50:00
